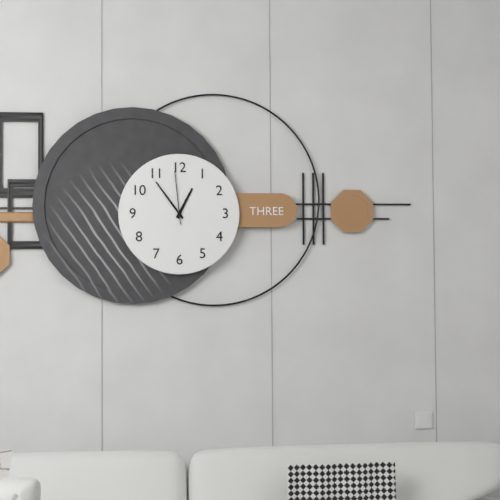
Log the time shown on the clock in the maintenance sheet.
12:54:59
